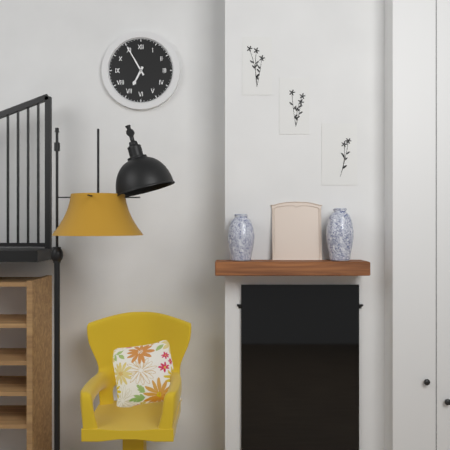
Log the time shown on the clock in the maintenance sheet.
6:55
